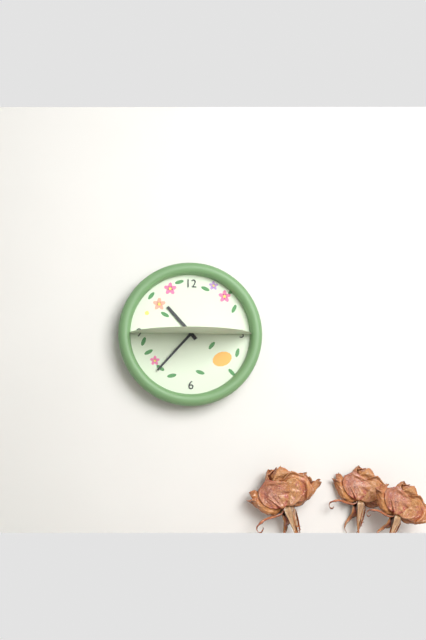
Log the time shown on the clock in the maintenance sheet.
10:37
